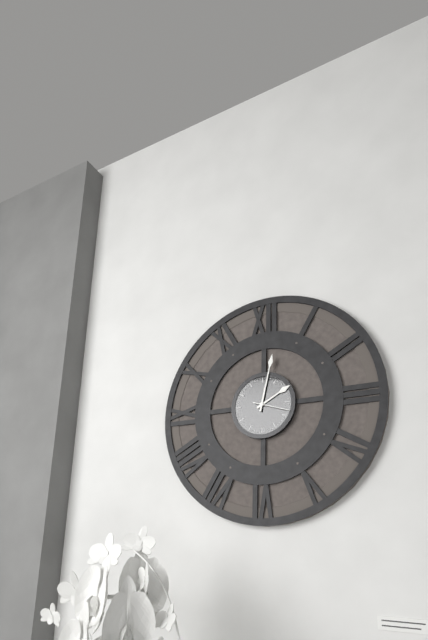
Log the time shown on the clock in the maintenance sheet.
2:02
